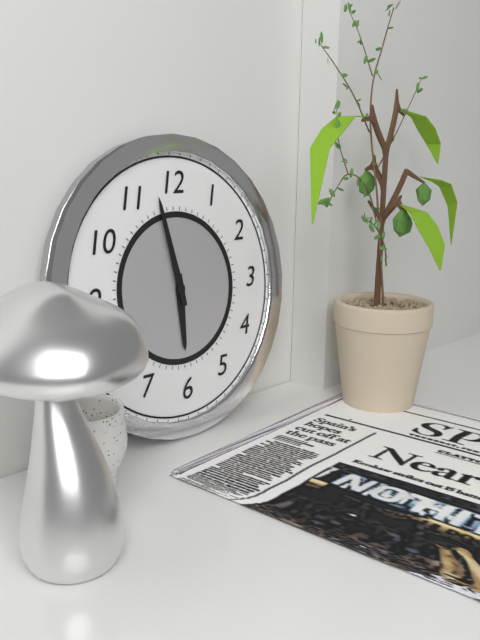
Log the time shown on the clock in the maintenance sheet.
5:58
